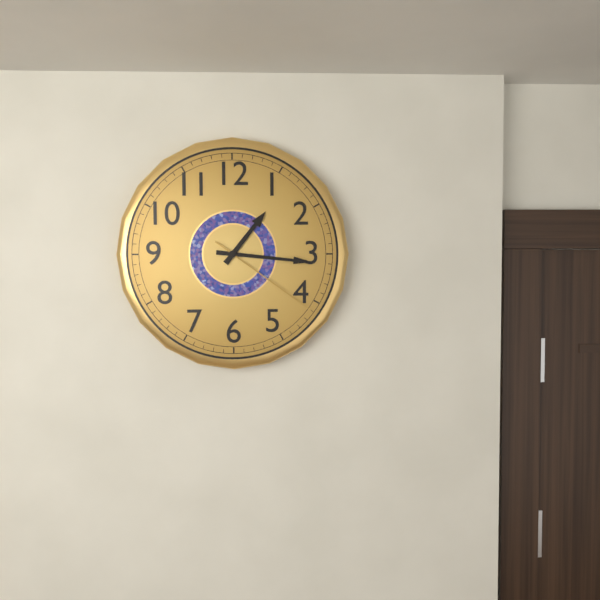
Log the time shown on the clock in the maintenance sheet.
1:16:21
